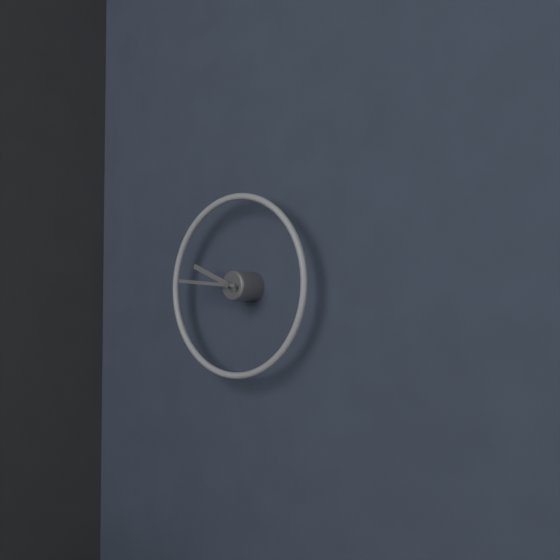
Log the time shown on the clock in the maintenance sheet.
9:46
